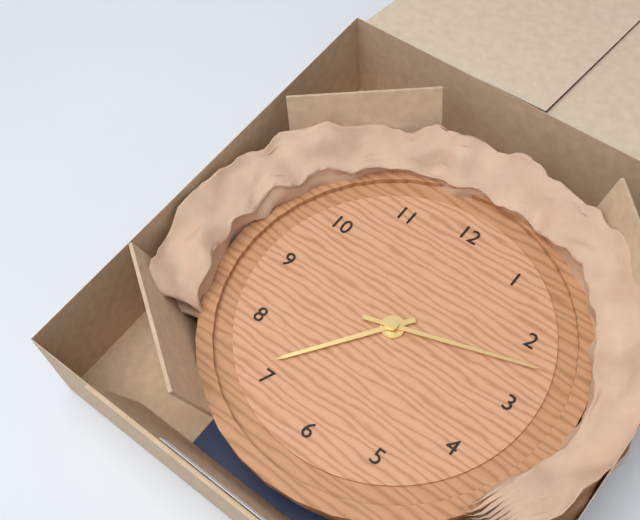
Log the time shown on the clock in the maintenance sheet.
7:12
